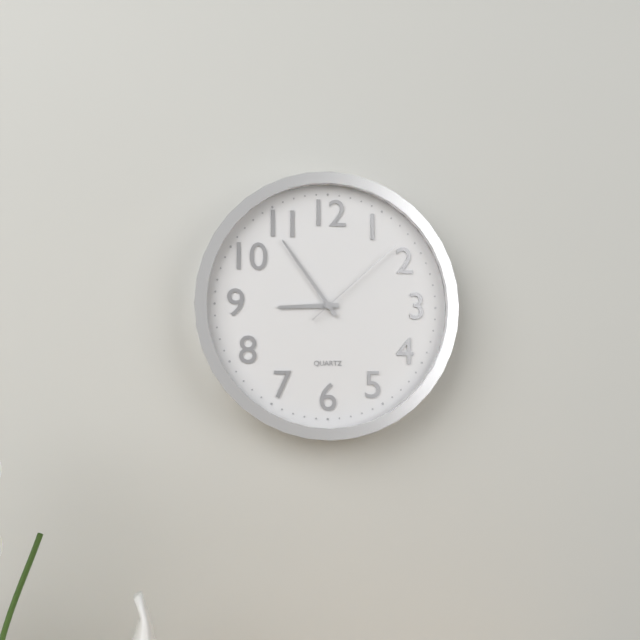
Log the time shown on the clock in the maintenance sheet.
8:54:08
